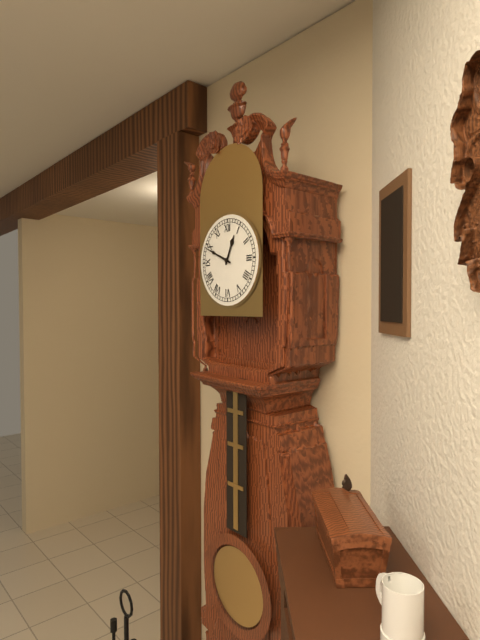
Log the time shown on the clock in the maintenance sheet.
12:49
